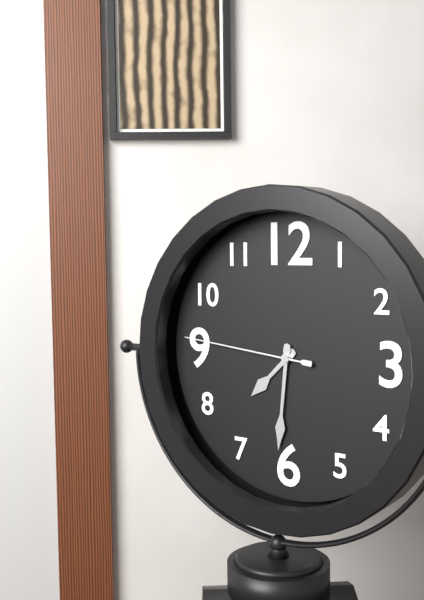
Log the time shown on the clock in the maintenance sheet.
7:31:46
